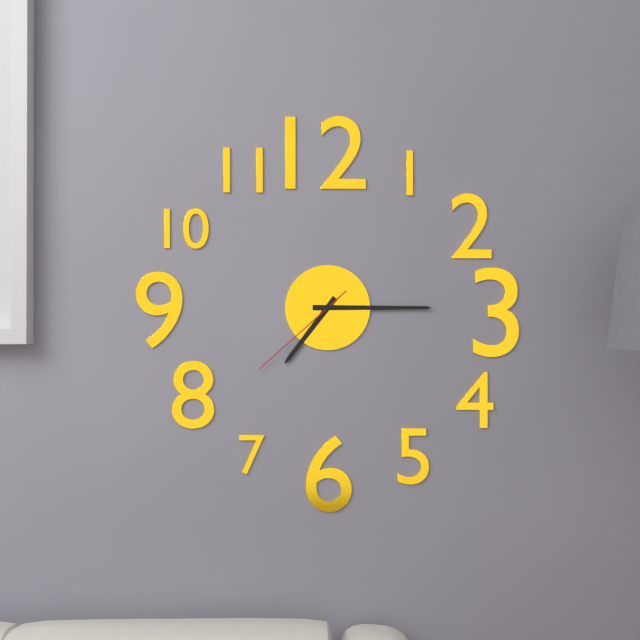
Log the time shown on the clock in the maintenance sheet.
7:15:38
